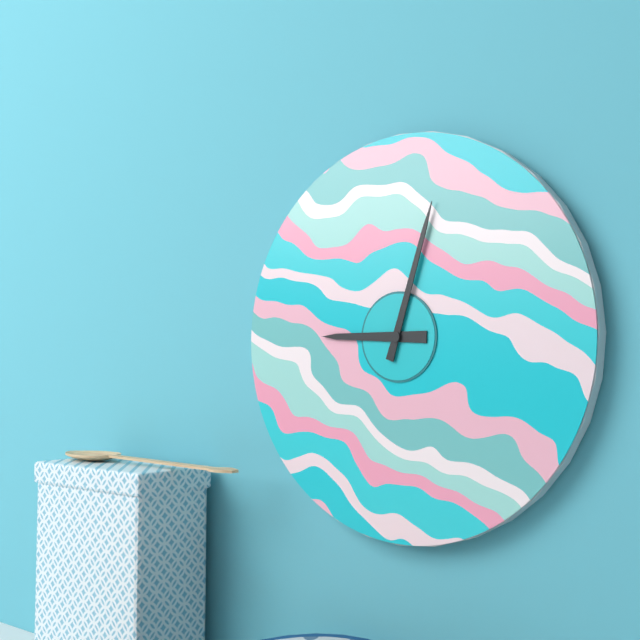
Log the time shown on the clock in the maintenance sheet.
9:03
